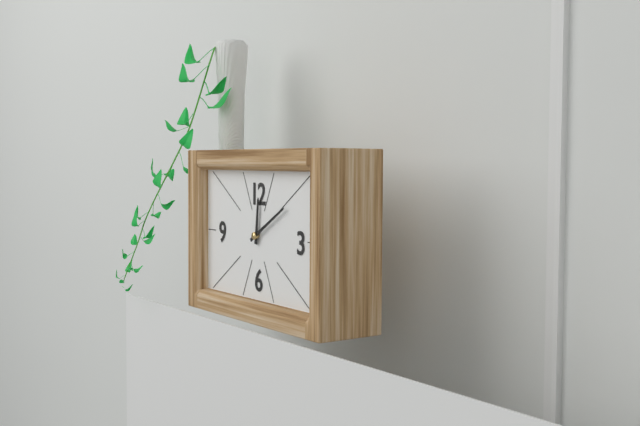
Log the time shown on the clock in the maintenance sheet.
12:10
